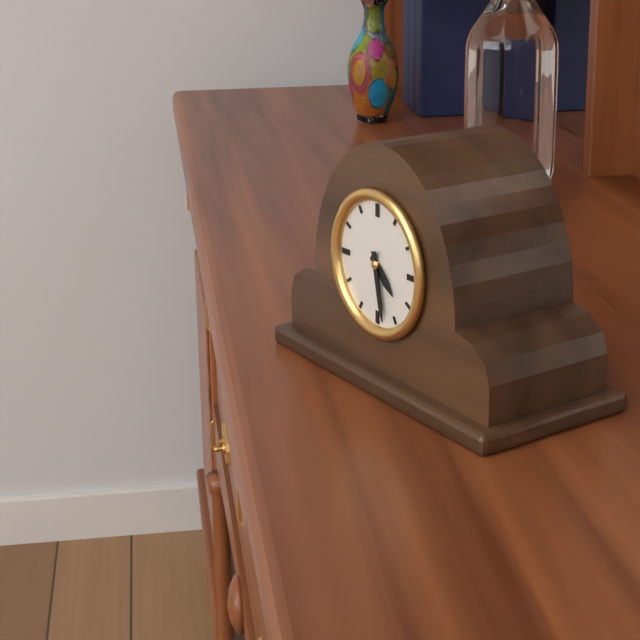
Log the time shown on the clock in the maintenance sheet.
4:28
